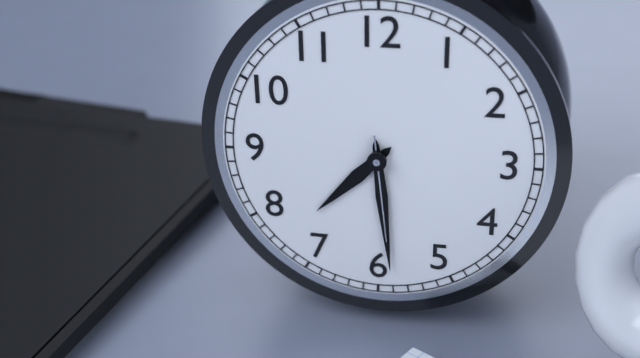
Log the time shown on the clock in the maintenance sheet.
7:29:29
